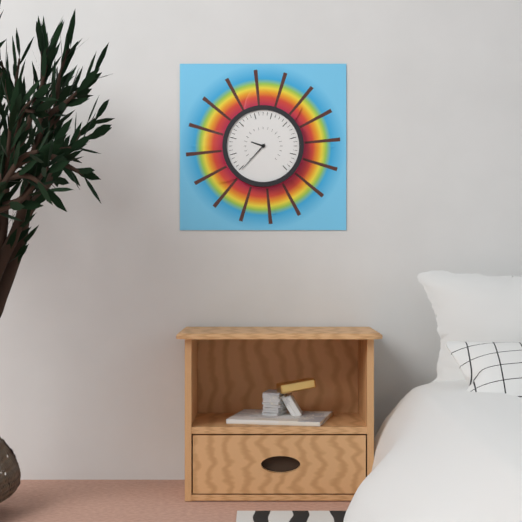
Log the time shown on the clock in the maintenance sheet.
9:37
